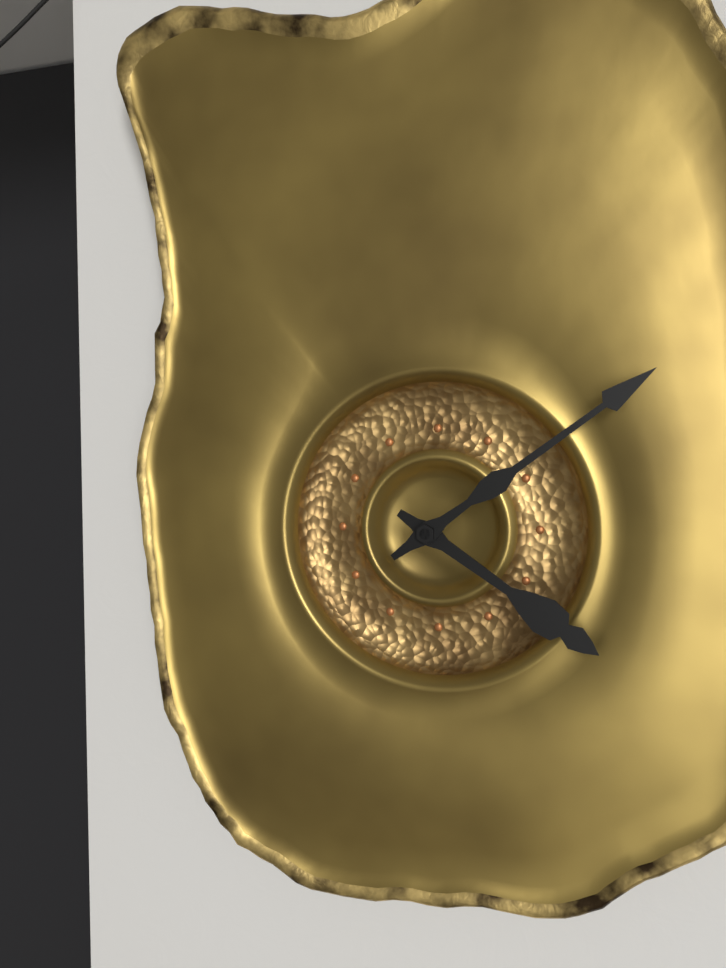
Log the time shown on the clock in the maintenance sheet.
4:09
